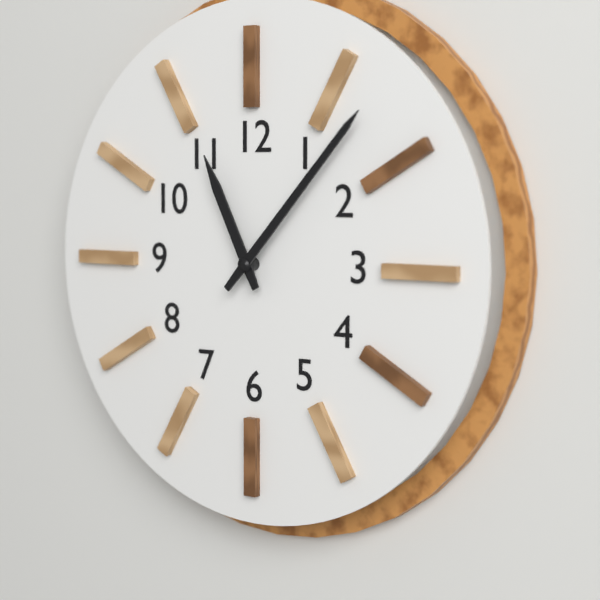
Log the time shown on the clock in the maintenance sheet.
11:07
